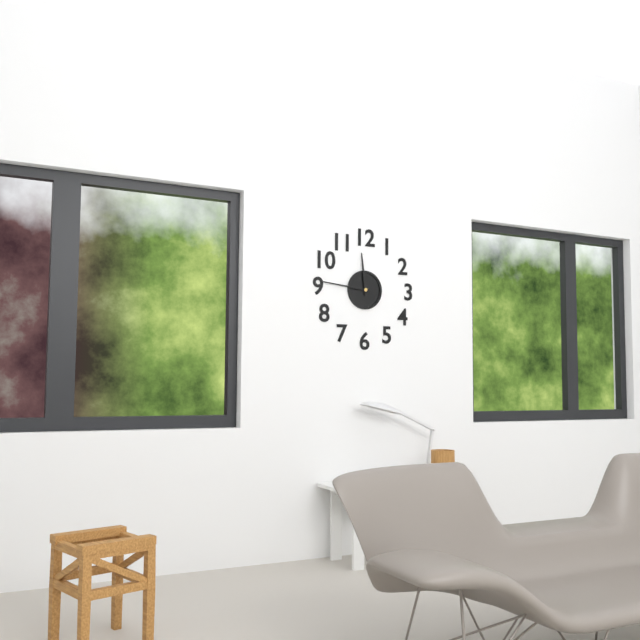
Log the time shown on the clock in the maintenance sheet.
11:46
